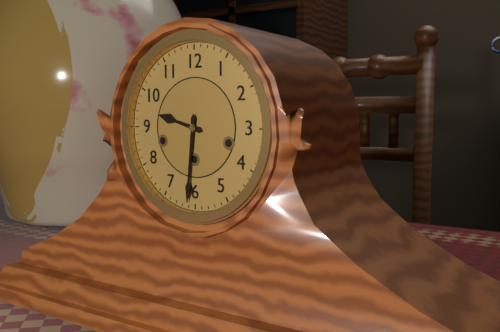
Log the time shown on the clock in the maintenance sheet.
9:31
